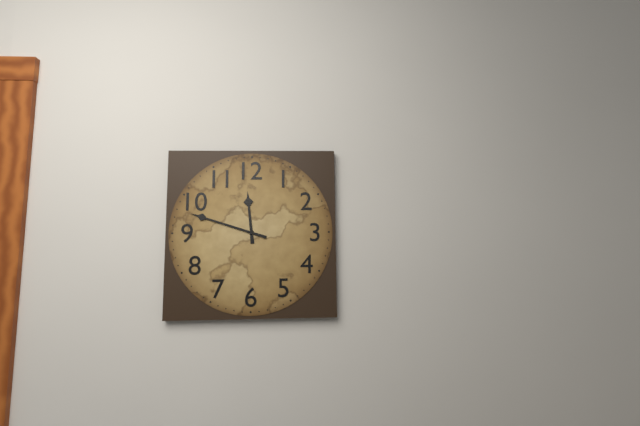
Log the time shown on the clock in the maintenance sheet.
11:48
